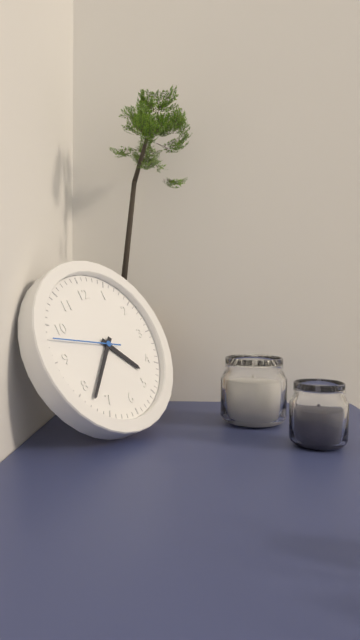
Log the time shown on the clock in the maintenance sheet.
4:38:48
